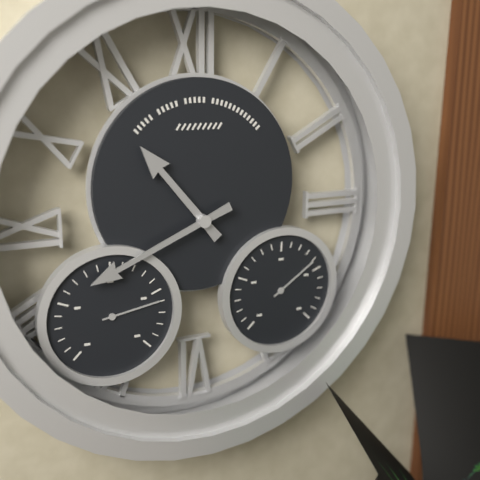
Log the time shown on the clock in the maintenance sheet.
10:41
